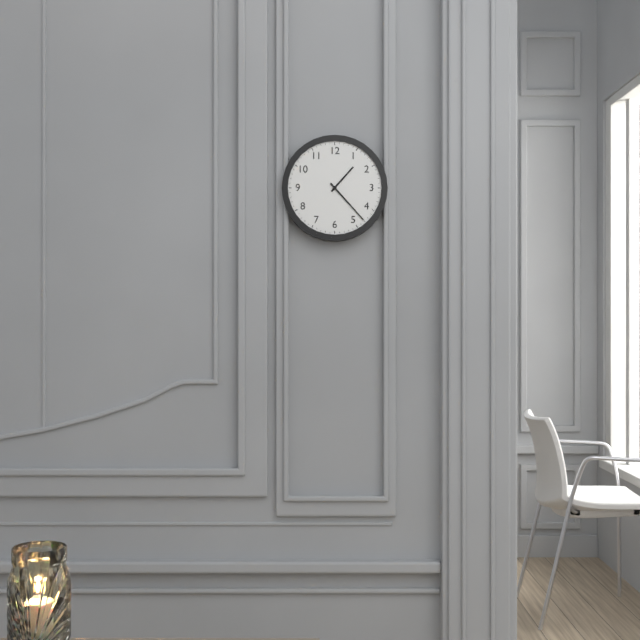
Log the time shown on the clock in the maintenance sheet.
1:23
